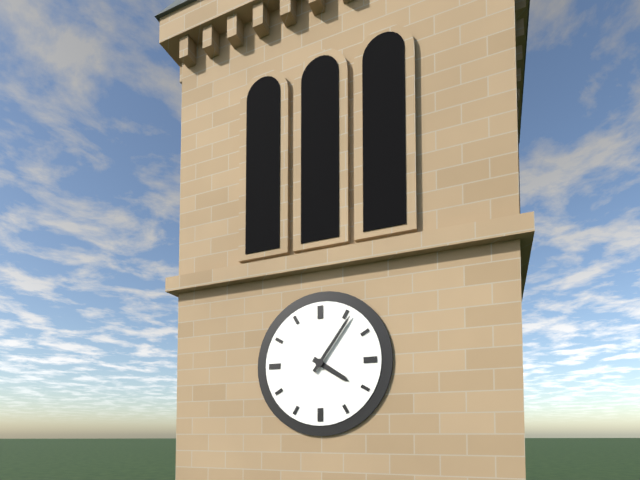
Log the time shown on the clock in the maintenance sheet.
4:06
